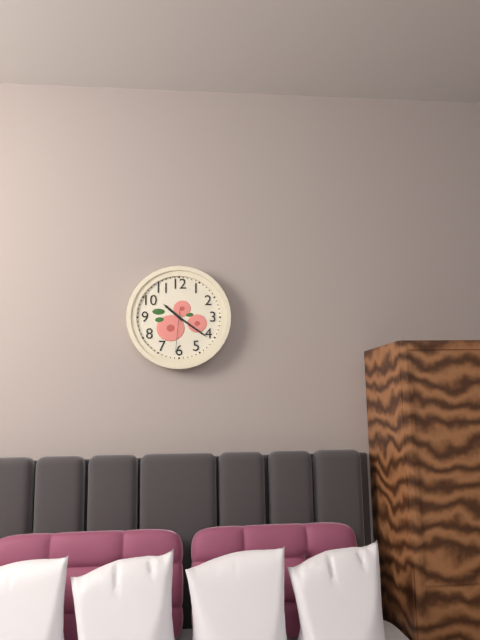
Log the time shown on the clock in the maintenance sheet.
10:21
